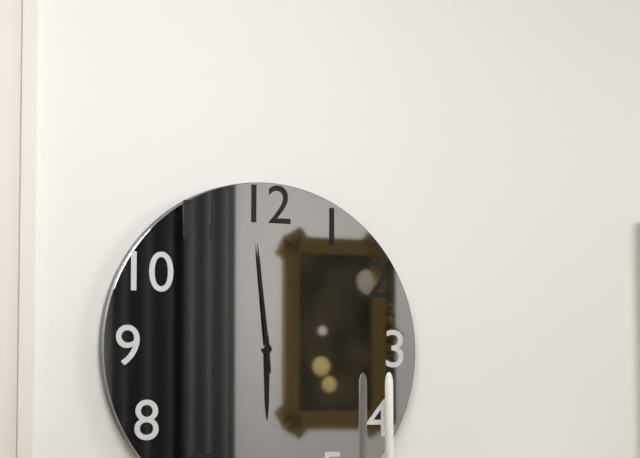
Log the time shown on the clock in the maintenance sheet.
5:59
